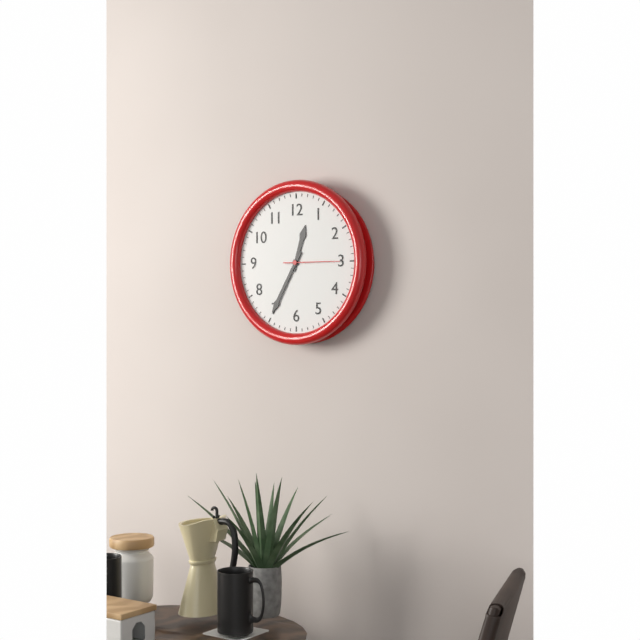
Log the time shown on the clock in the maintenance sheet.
12:35:15
